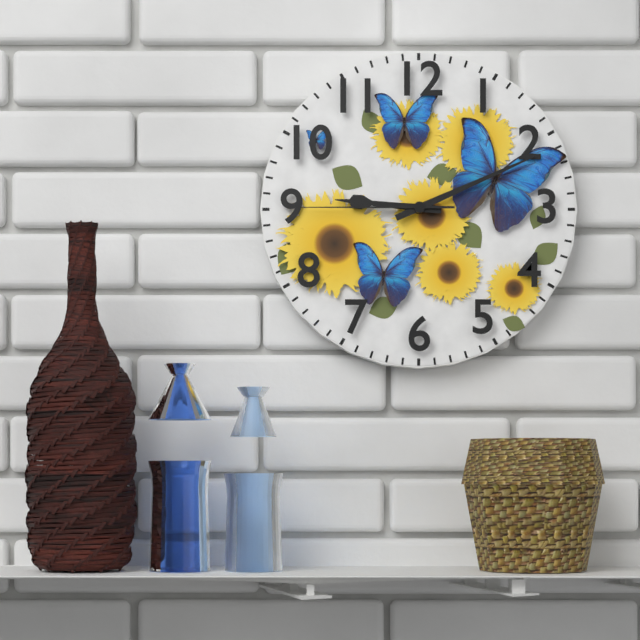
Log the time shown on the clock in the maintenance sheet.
9:11:45
